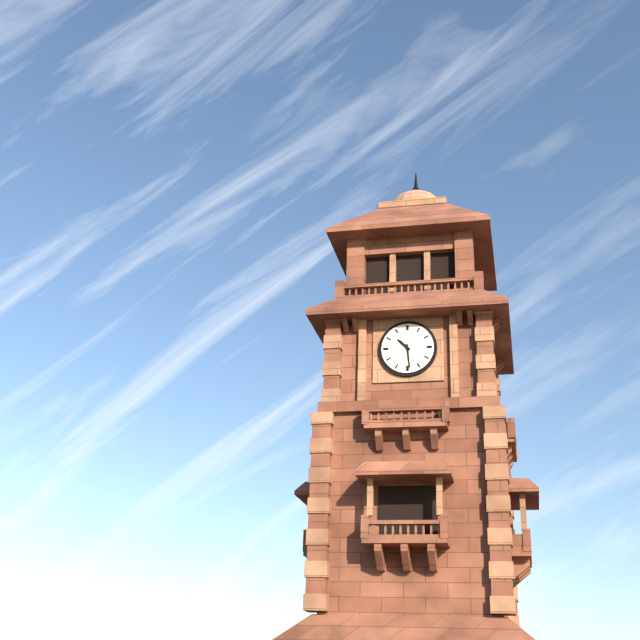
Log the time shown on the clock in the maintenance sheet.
10:29
